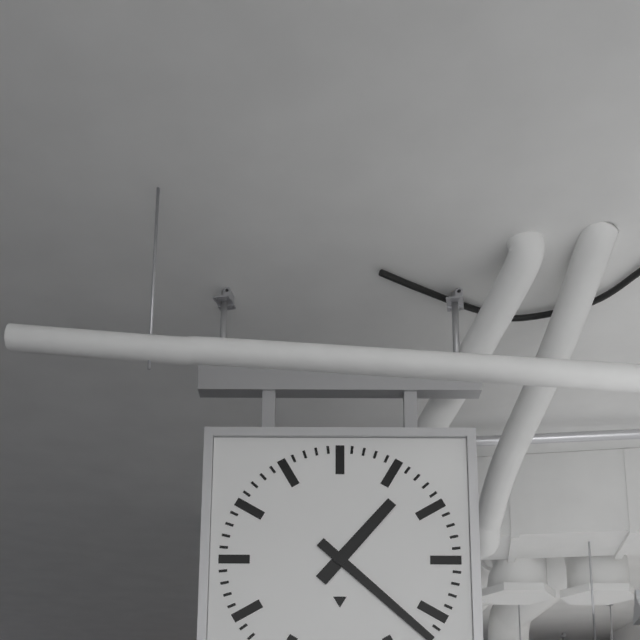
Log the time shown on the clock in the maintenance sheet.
1:22
